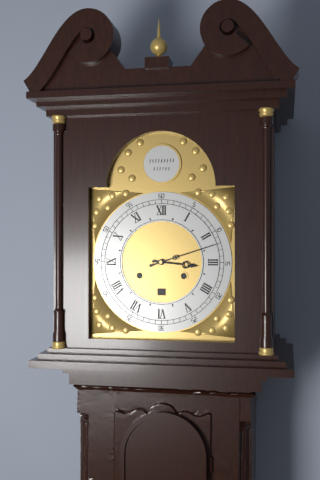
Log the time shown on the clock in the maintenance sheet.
3:12
